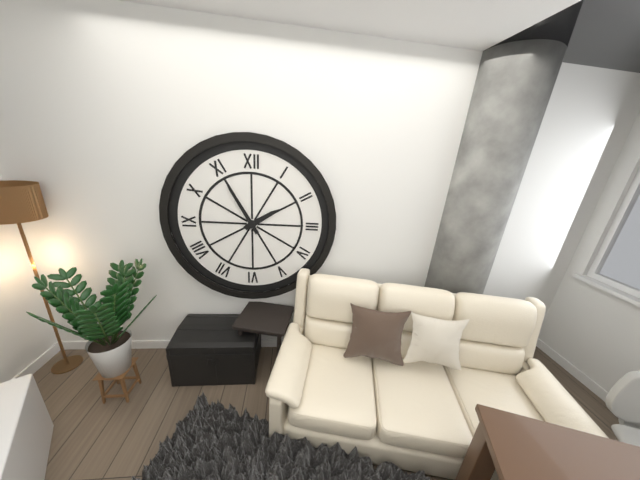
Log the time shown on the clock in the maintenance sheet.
1:55
